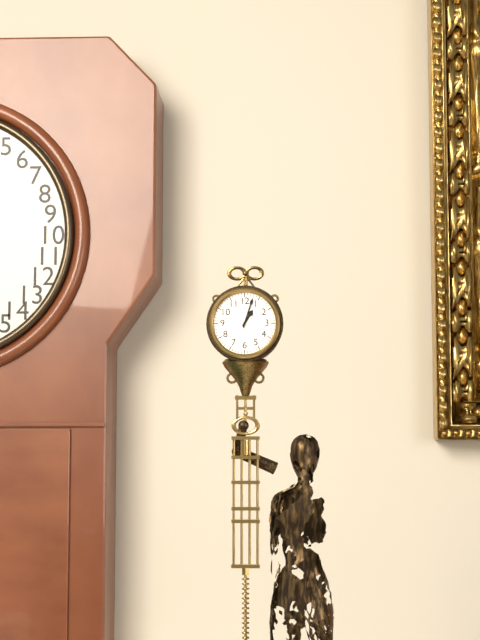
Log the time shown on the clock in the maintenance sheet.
1:03
